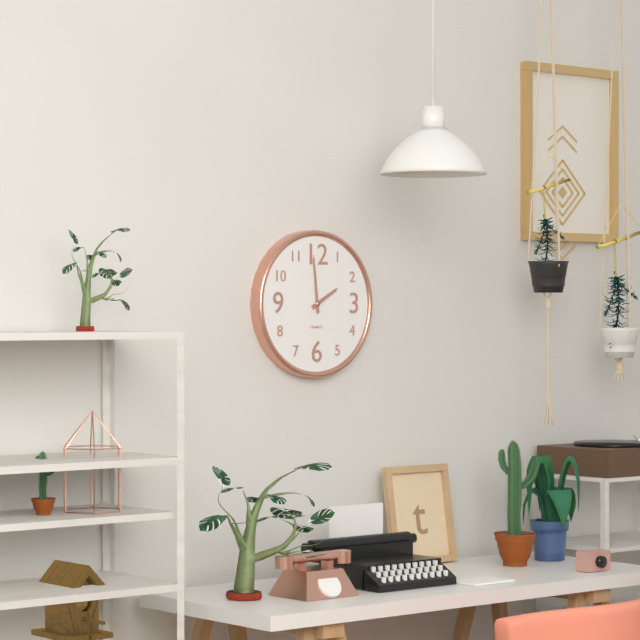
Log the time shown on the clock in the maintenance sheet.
1:59
